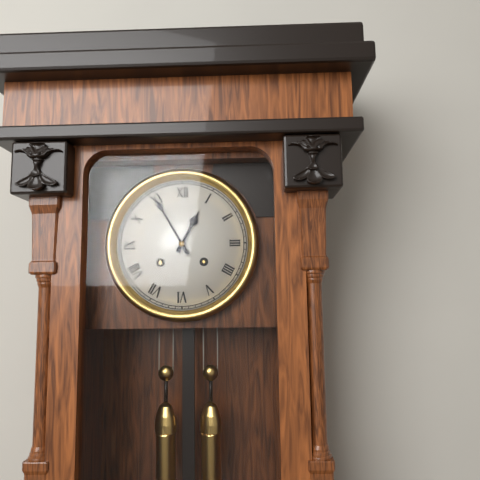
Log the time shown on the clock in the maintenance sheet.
12:55
